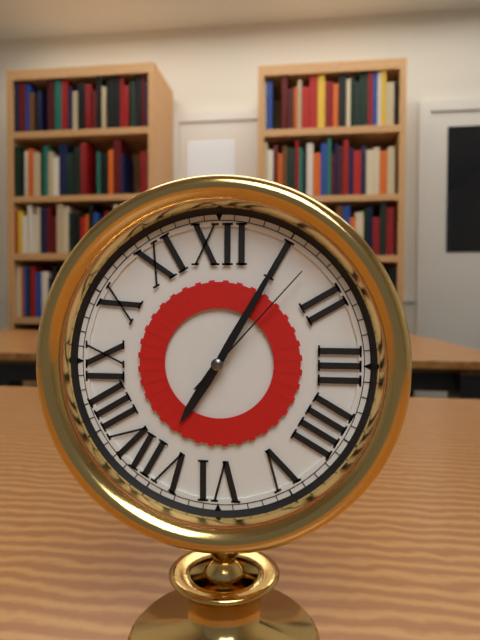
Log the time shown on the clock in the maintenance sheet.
7:05:07
